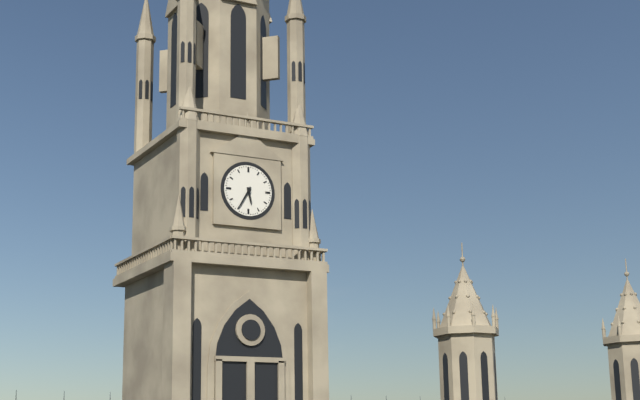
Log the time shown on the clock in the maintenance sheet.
5:35
